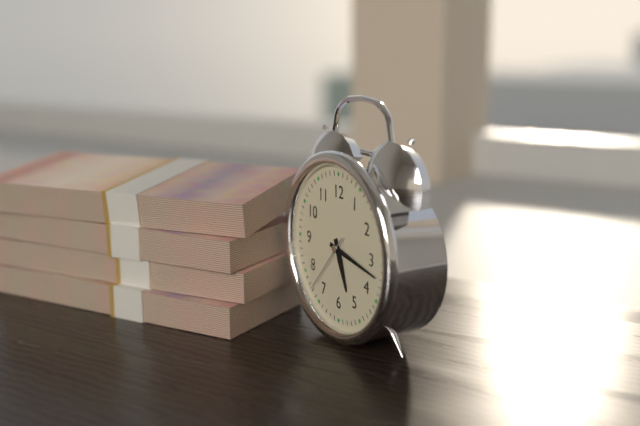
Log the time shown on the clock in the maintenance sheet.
5:17:37
